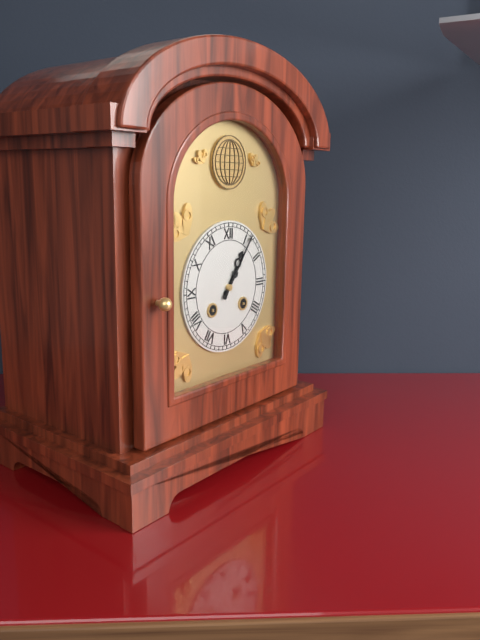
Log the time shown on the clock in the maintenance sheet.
1:06
